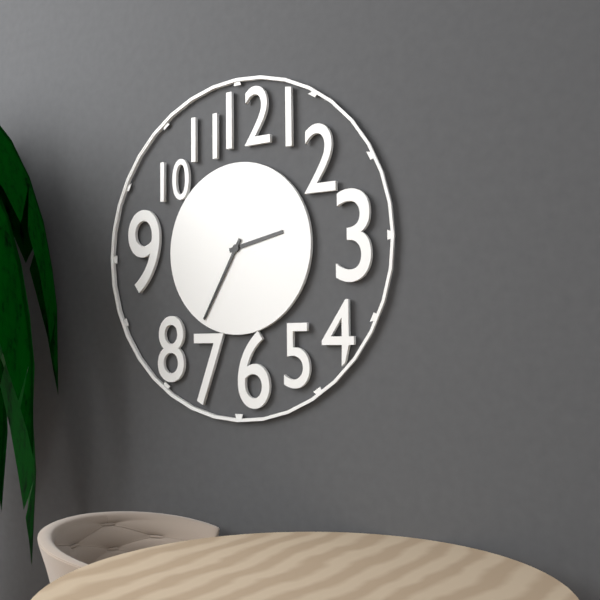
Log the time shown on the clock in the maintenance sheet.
2:35
